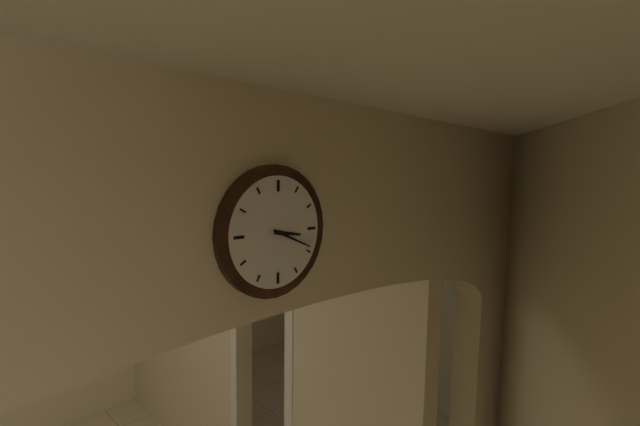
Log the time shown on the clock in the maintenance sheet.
3:19
